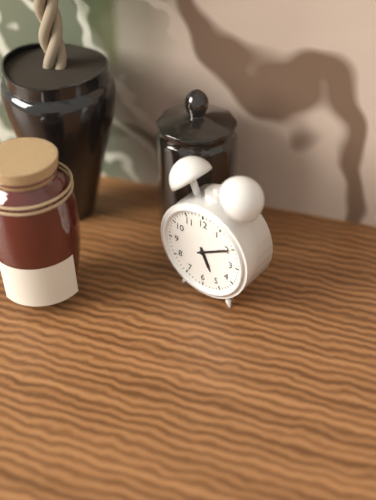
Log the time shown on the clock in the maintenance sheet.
5:10
